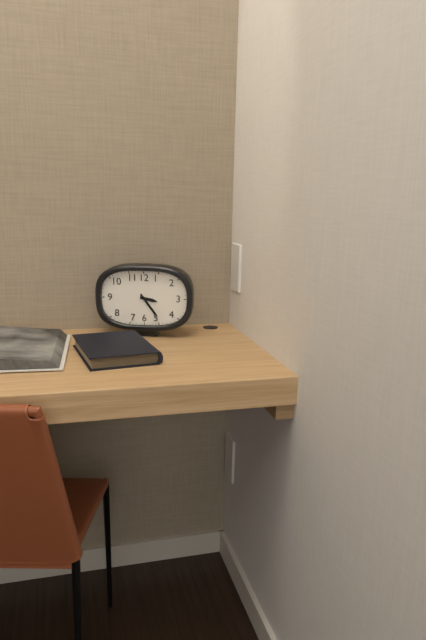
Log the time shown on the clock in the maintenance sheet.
3:24
